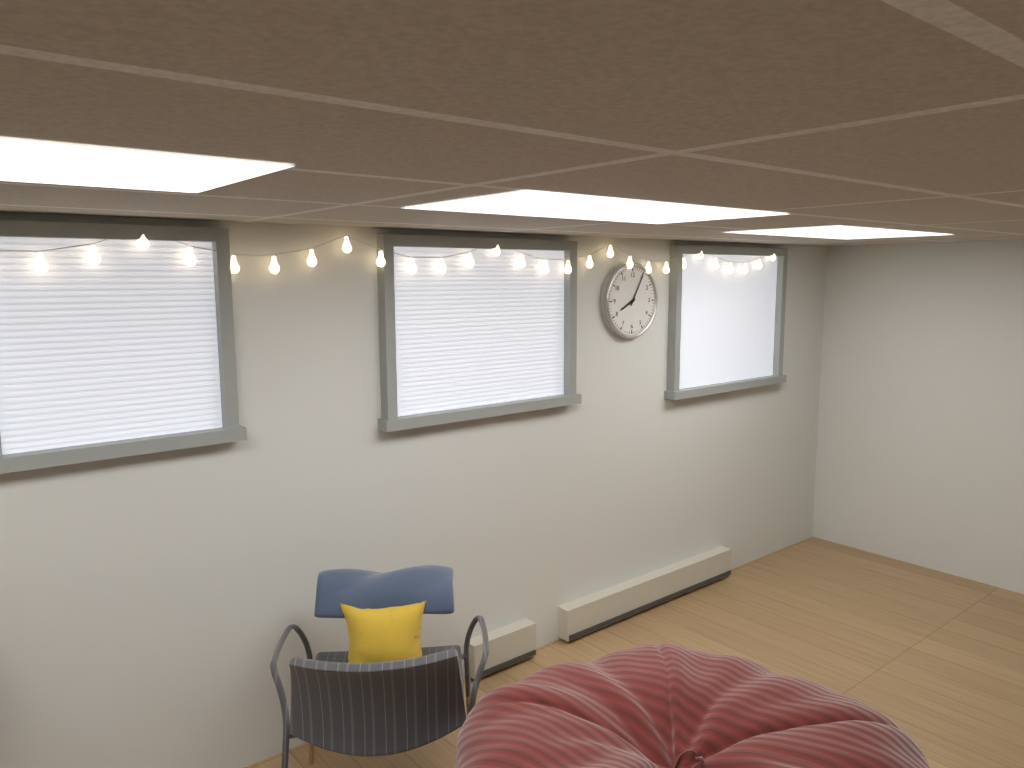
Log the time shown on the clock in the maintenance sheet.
8:05
